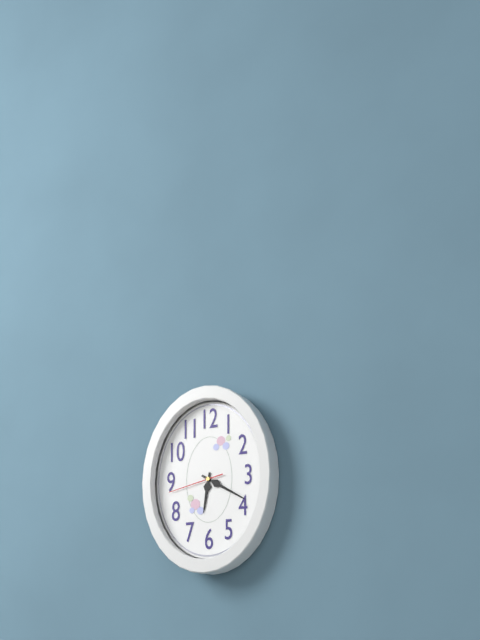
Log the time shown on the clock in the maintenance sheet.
6:20:43
